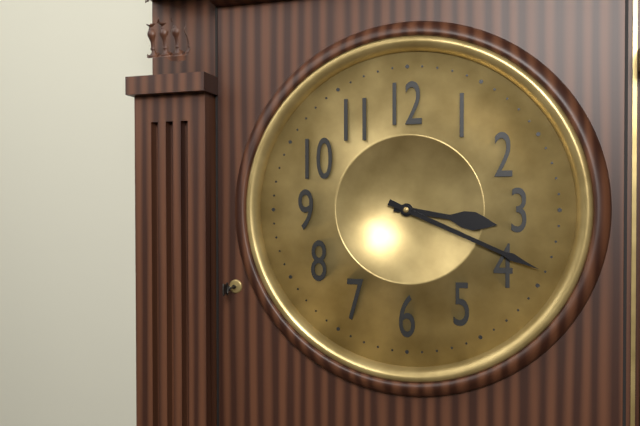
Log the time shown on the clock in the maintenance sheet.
3:19
